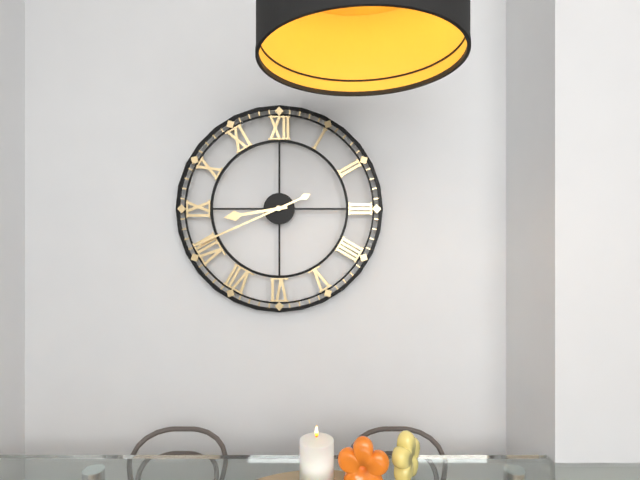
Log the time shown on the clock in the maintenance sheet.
8:41
